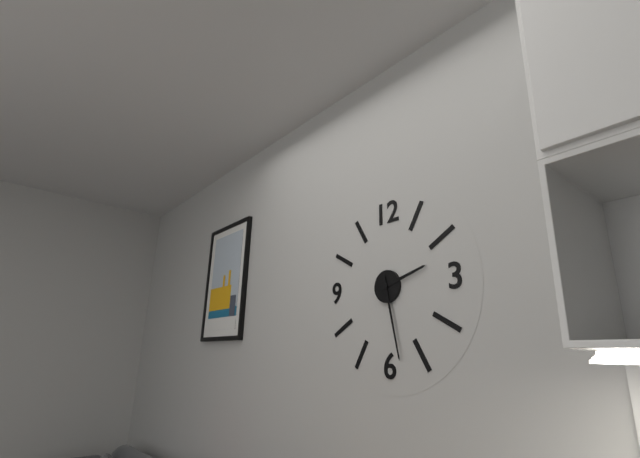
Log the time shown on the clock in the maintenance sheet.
2:28
